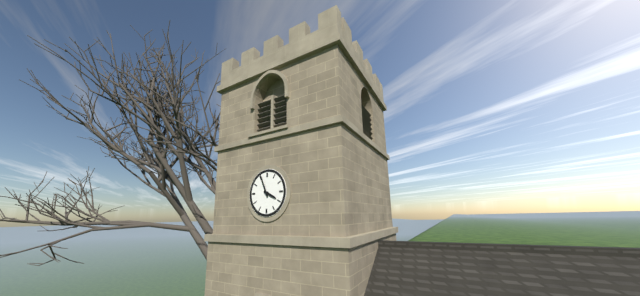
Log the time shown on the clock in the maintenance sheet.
3:56
